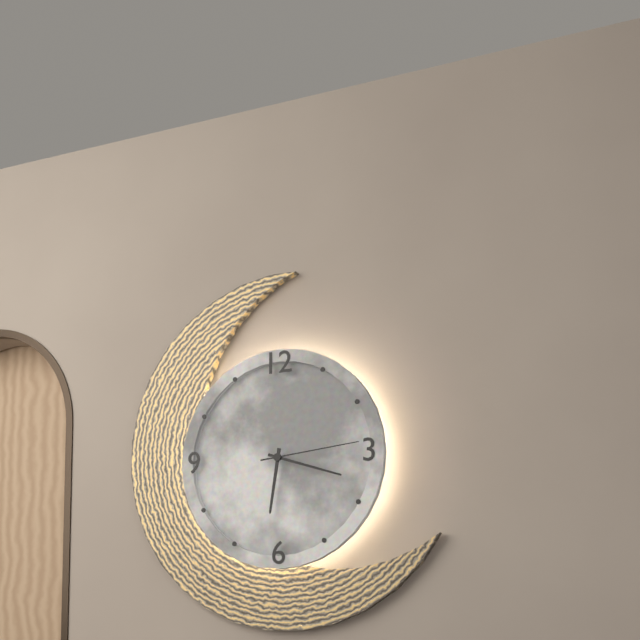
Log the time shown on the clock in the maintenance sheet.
6:18:14
